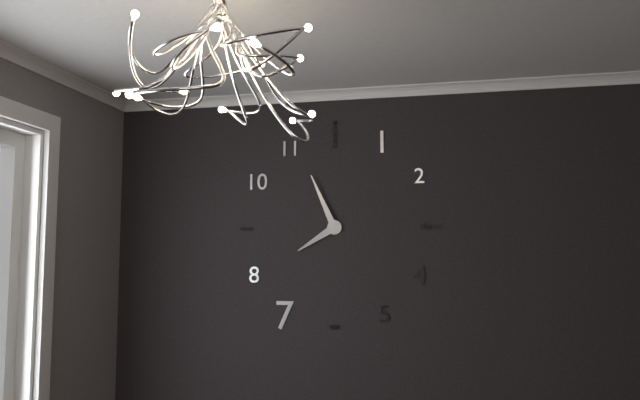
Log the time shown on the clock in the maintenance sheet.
7:56
